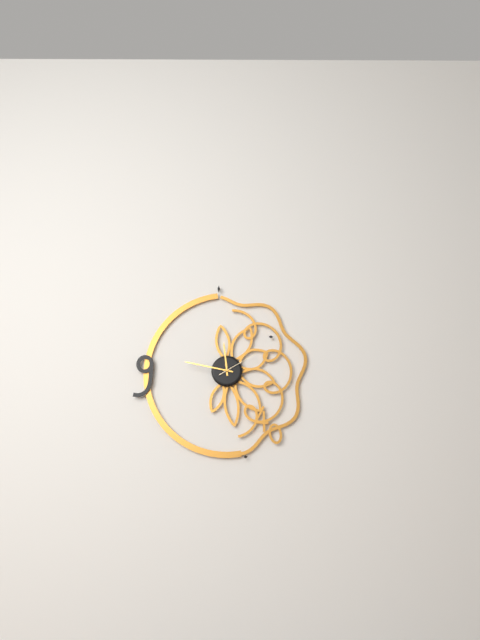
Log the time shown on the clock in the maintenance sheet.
11:47
